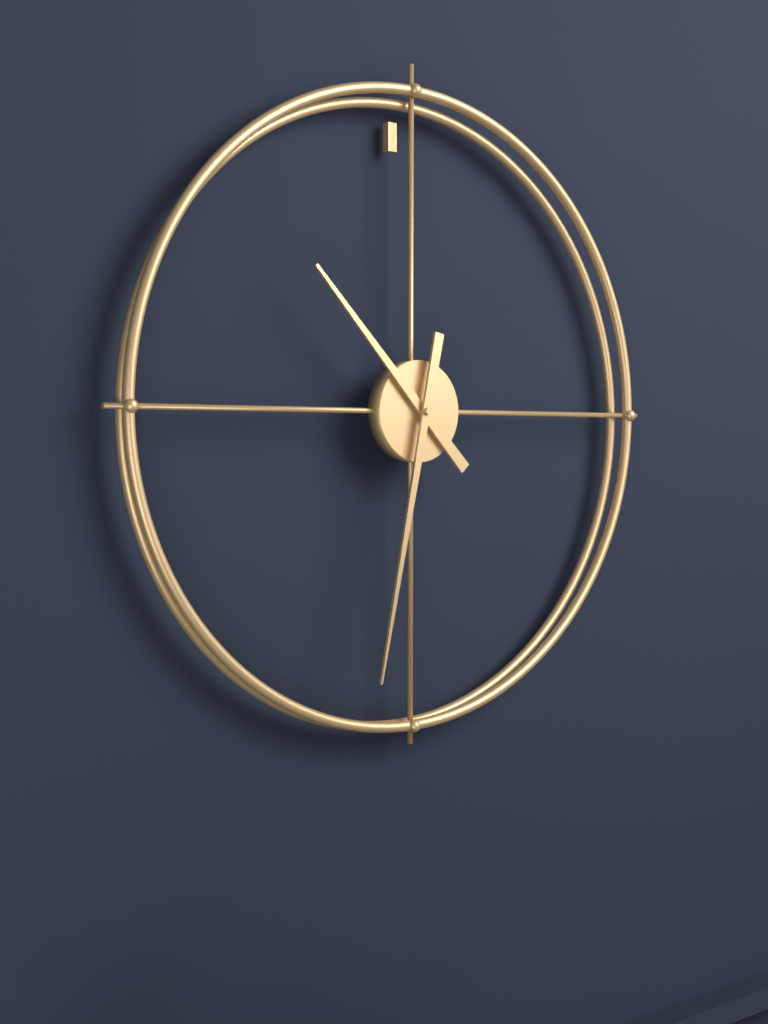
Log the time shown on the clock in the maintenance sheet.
10:32
